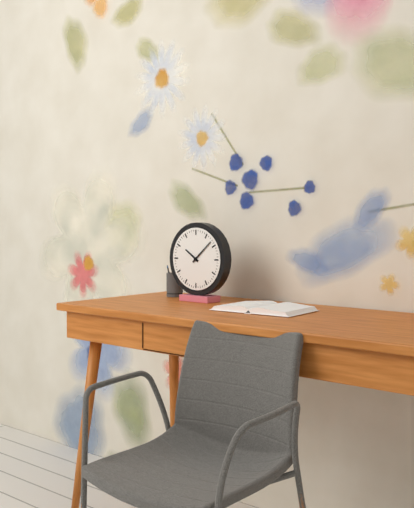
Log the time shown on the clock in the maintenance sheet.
10:08
